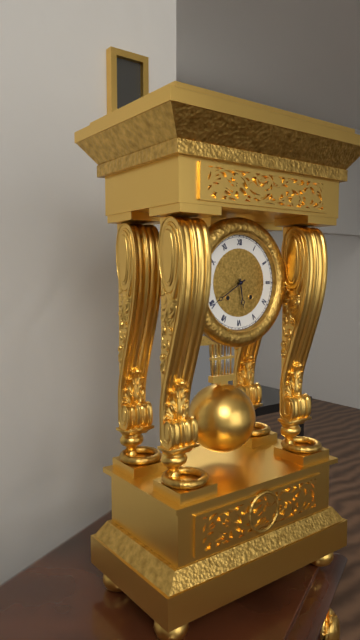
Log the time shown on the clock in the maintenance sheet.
5:40
